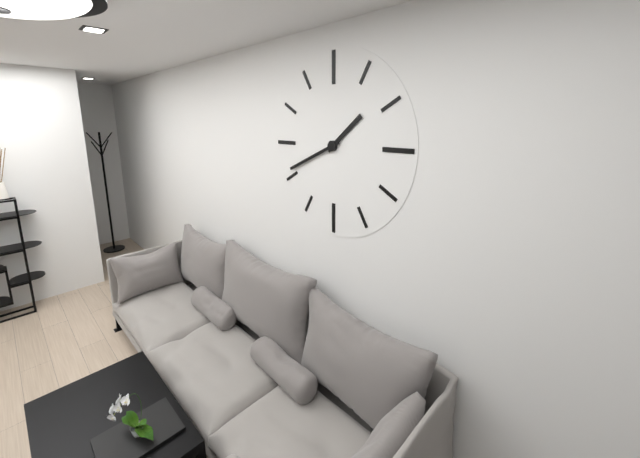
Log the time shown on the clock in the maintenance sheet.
1:41
